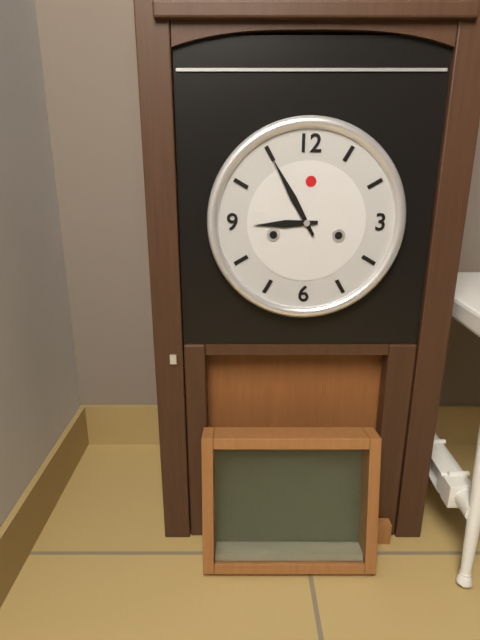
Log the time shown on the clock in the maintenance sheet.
8:55
